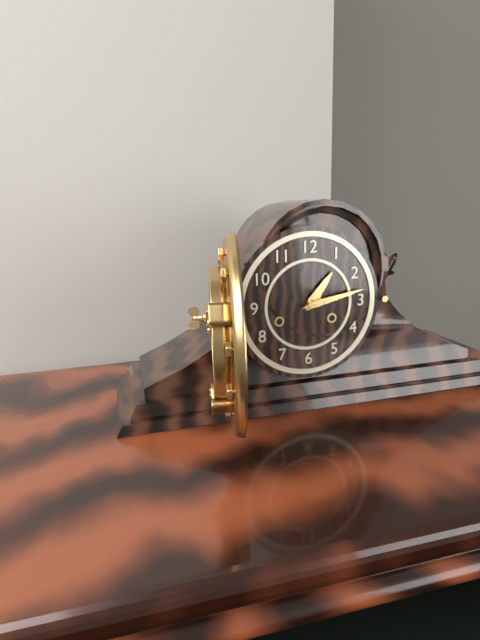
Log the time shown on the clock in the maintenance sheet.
1:13
